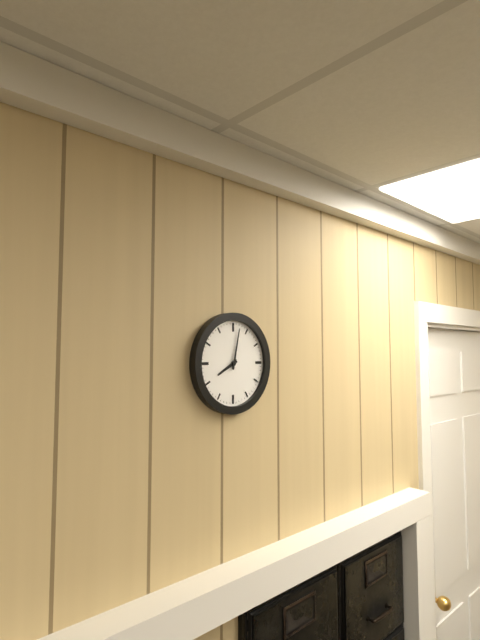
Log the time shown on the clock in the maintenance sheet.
8:02
